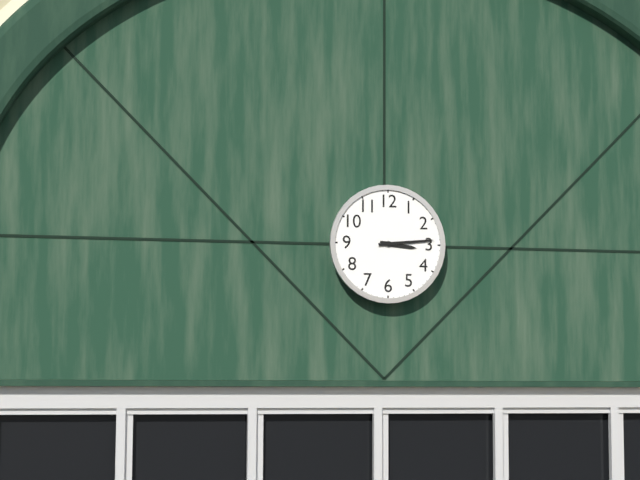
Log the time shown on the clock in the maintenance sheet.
3:14
